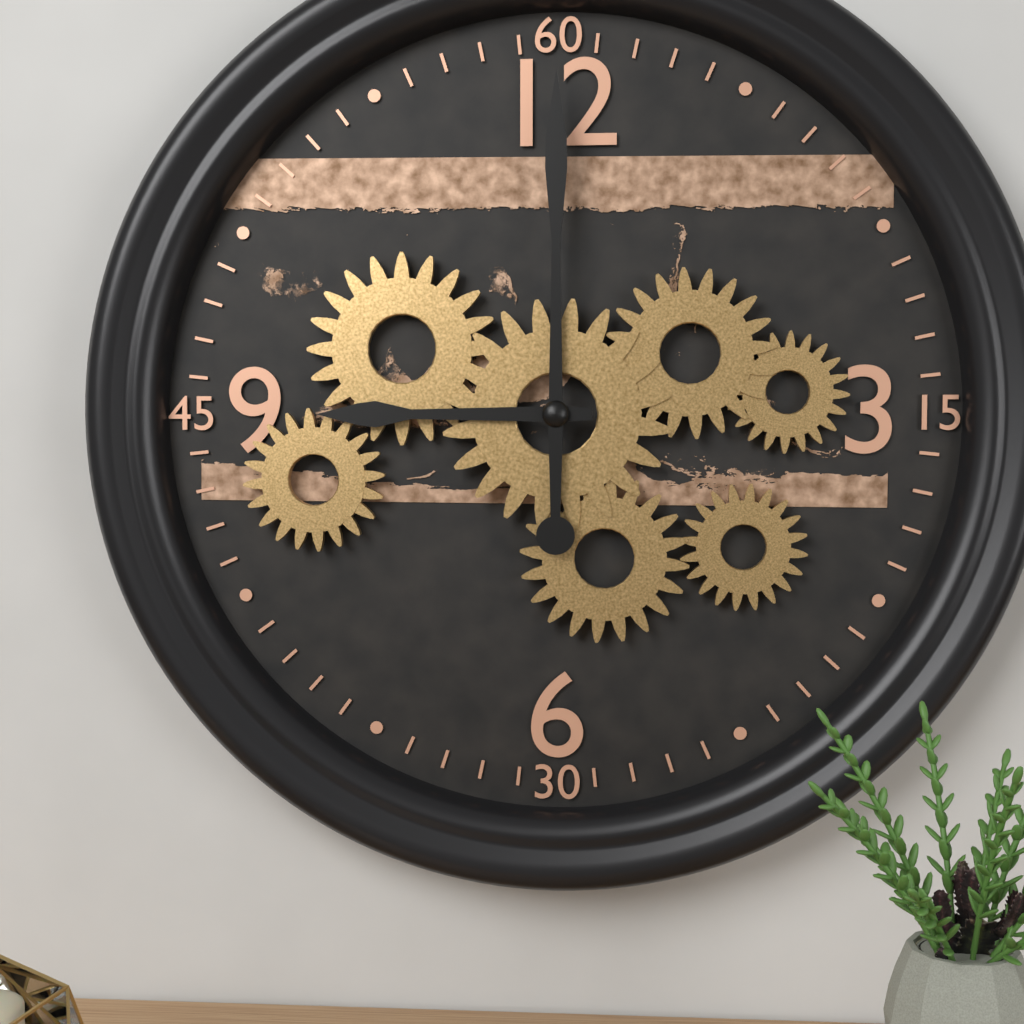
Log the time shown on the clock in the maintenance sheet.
9:00
